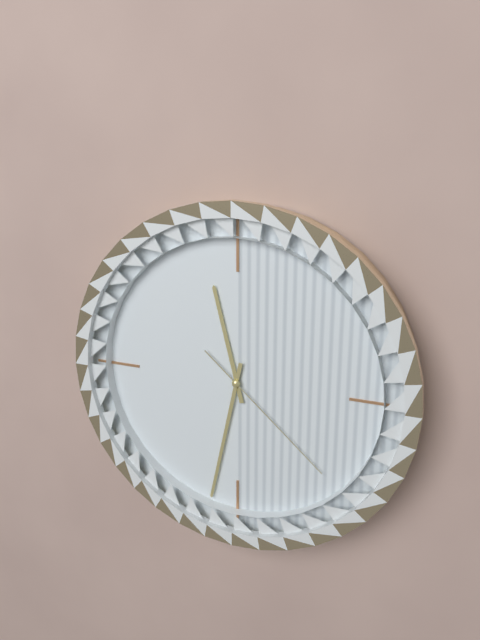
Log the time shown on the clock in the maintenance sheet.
11:32:22
